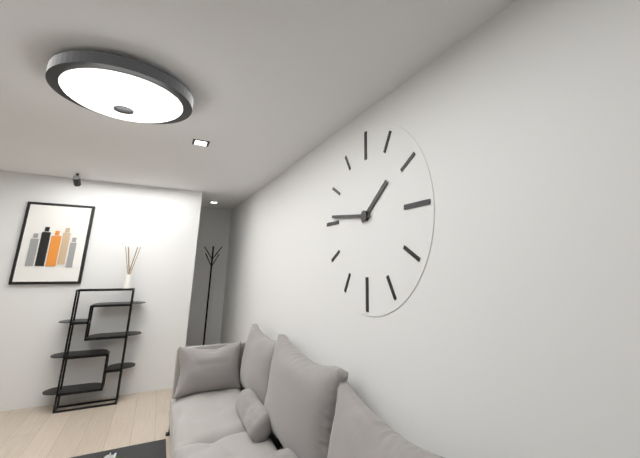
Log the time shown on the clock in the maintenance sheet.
1:46
